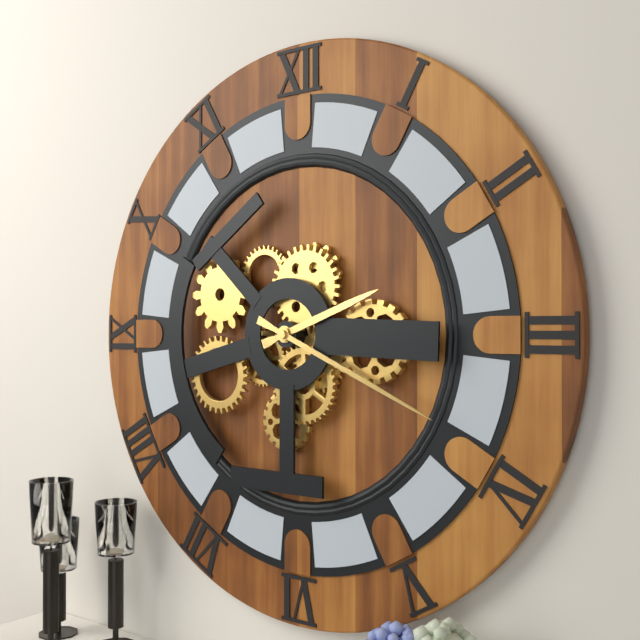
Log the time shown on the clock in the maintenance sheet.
2:19
